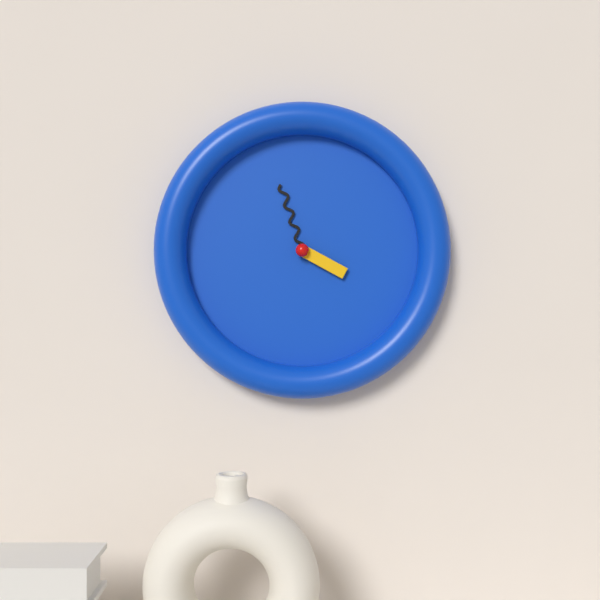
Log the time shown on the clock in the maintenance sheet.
3:57
